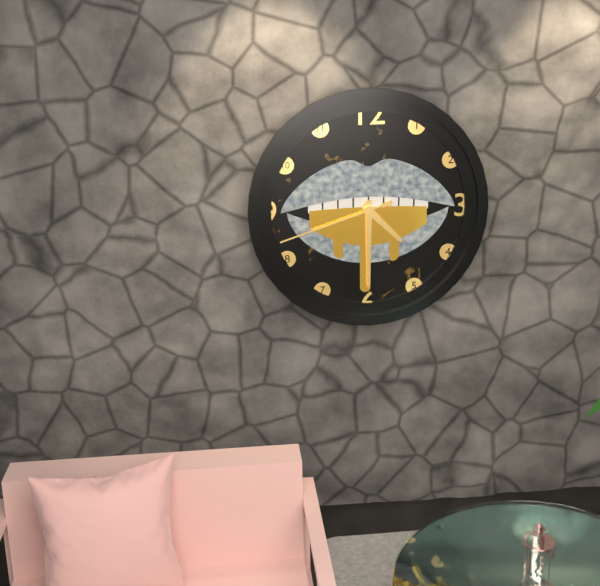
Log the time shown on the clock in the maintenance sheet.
4:30:42
